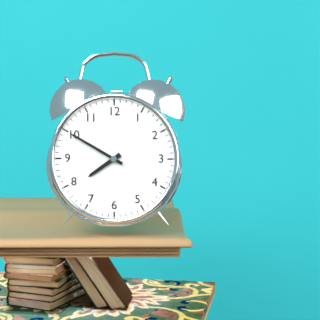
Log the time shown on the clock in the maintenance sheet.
7:50
